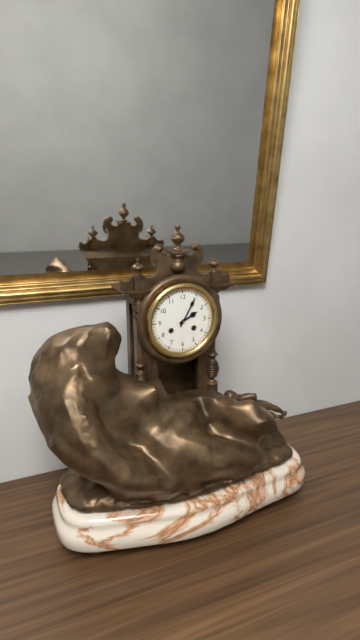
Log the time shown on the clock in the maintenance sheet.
2:05
